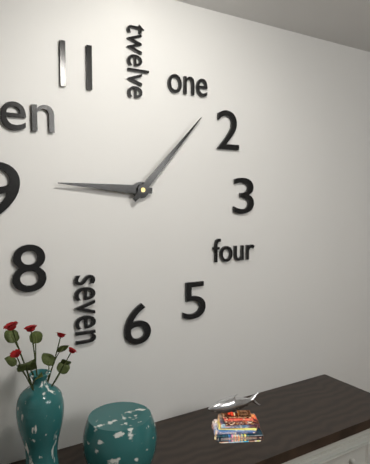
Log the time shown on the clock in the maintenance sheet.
9:07
